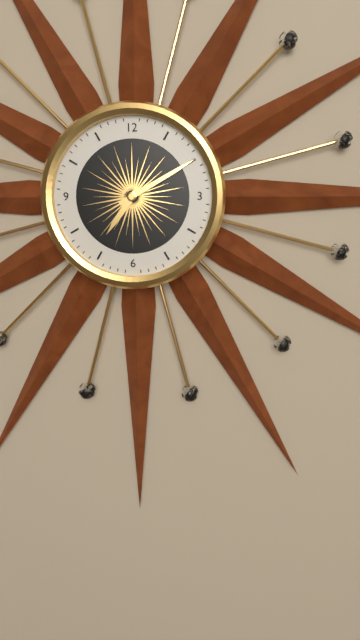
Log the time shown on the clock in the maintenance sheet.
7:10
